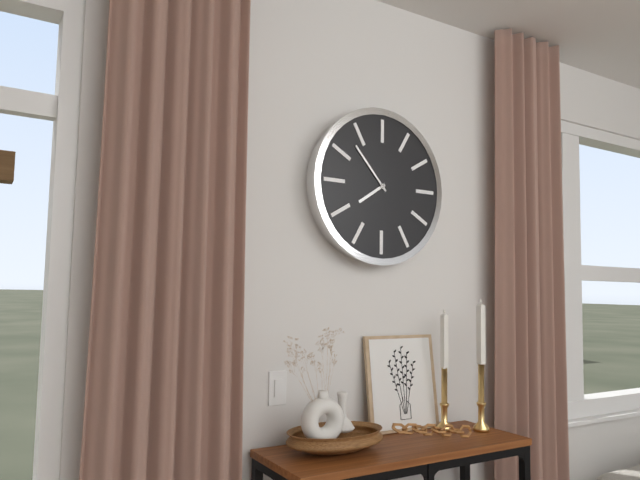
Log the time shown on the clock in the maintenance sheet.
7:53
